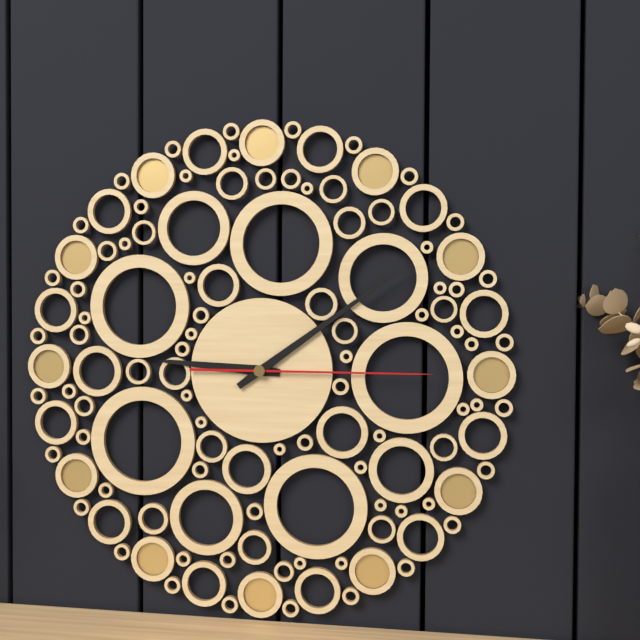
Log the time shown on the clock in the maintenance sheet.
9:09:15
